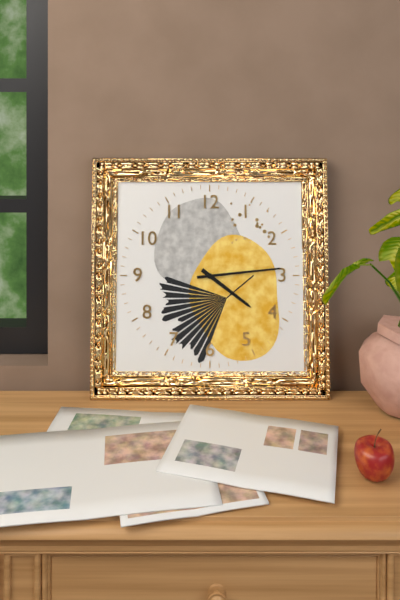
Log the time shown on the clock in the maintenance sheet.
4:14
